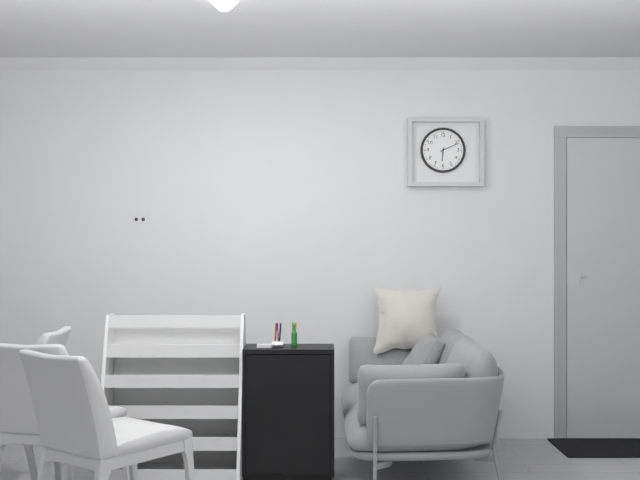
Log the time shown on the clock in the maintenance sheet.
6:11
